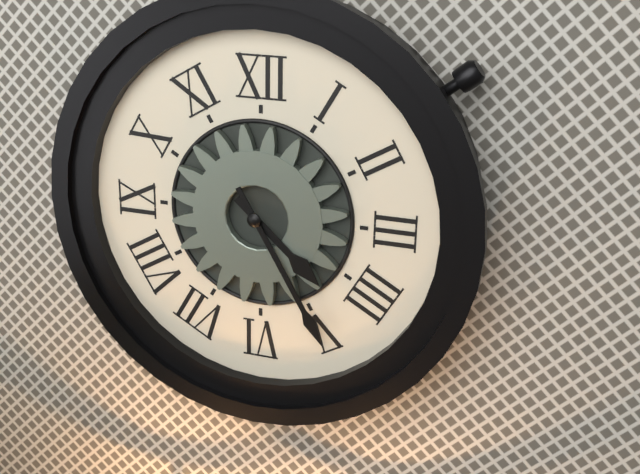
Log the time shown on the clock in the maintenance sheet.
4:25
